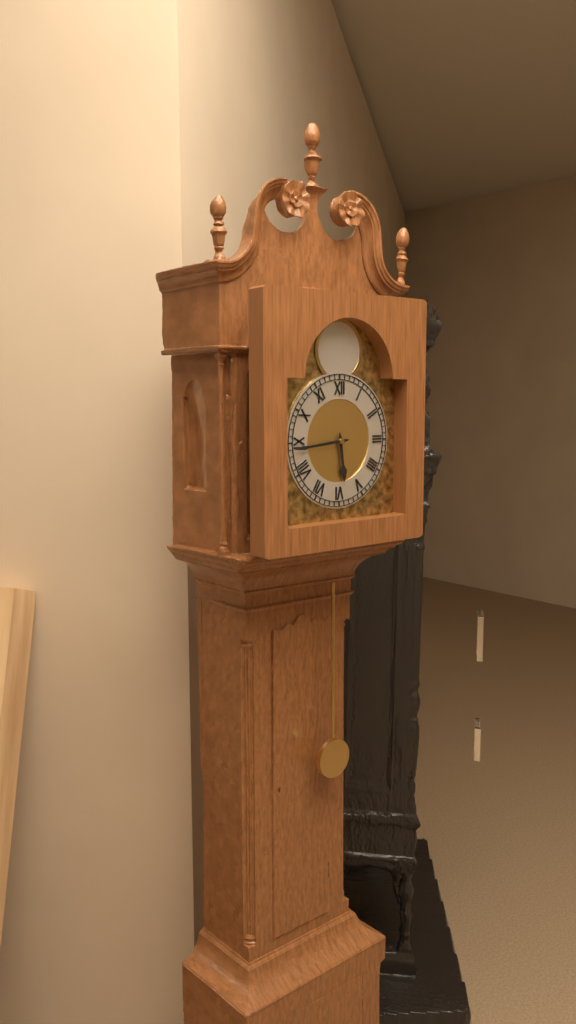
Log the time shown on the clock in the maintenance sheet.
5:44
